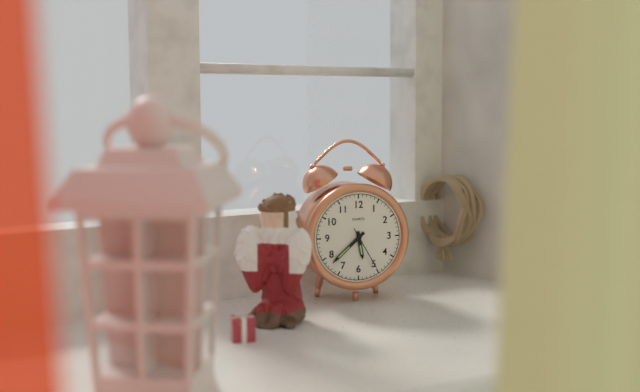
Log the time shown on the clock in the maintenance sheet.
5:38:25
